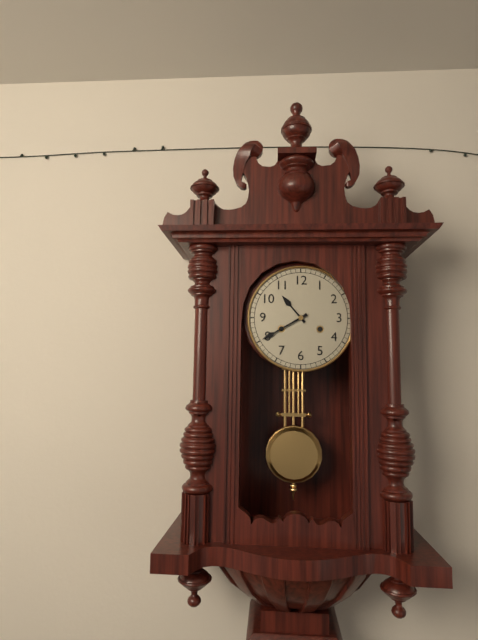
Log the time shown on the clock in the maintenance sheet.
10:40
